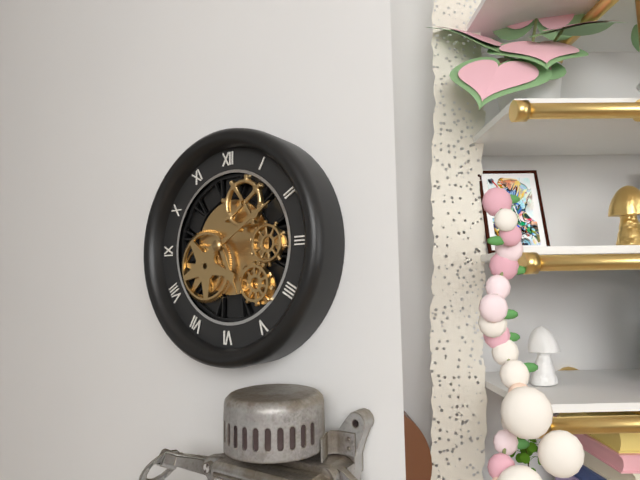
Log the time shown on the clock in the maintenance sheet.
5:10
